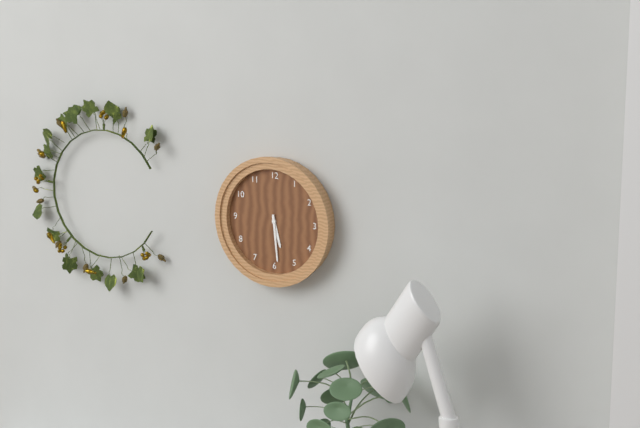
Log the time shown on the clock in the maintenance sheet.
5:29
